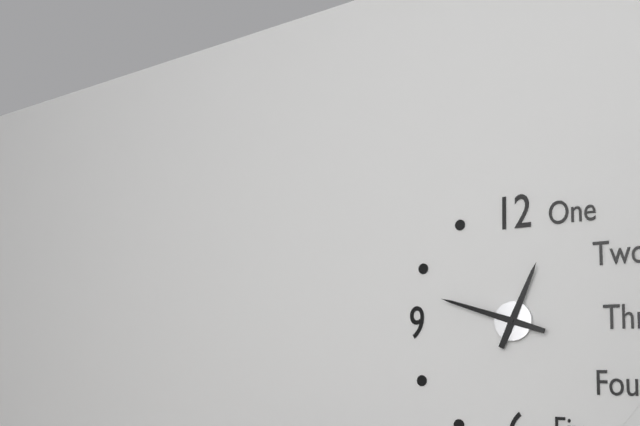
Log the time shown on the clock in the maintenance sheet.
12:48
